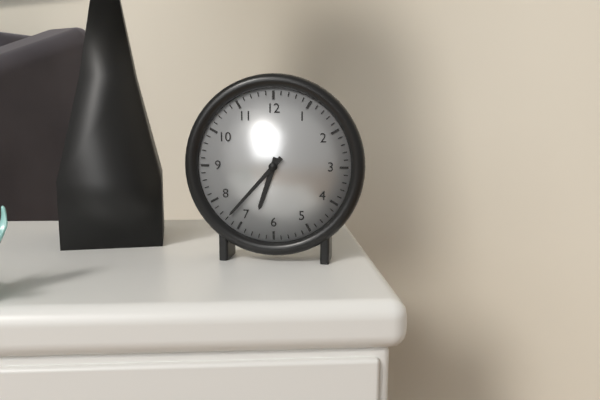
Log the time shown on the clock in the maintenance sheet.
6:37
